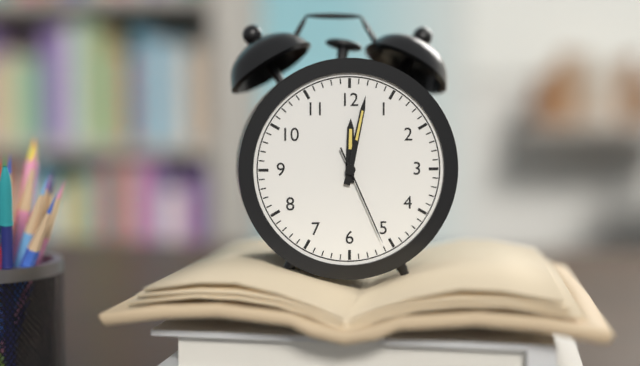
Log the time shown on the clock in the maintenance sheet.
12:02:26
